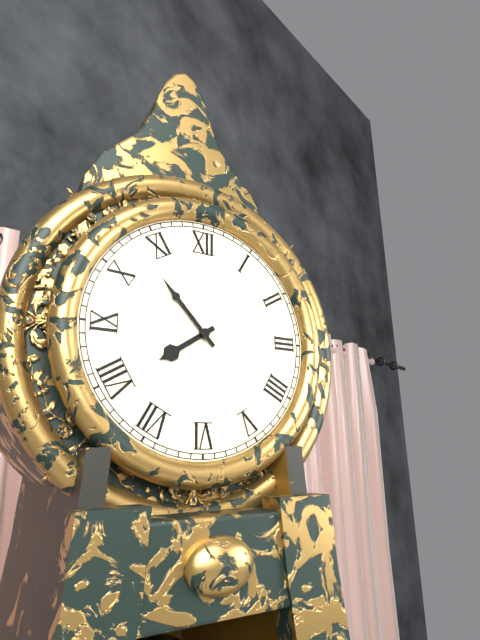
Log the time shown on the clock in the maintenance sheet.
7:53
